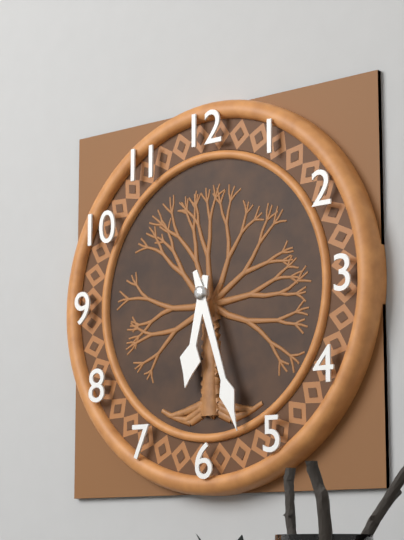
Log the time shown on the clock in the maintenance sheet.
6:27
